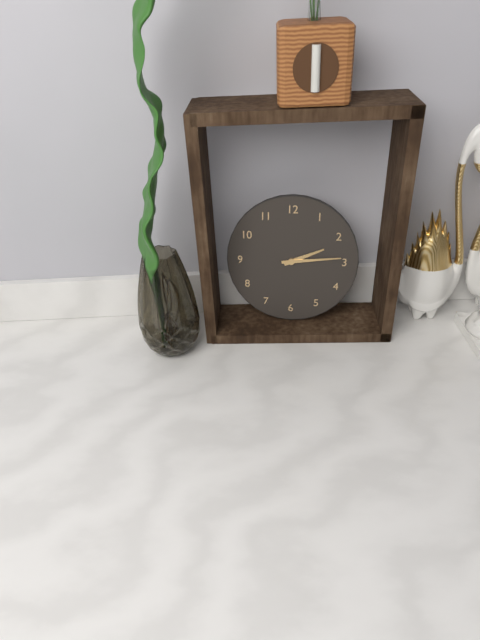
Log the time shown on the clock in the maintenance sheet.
2:14
